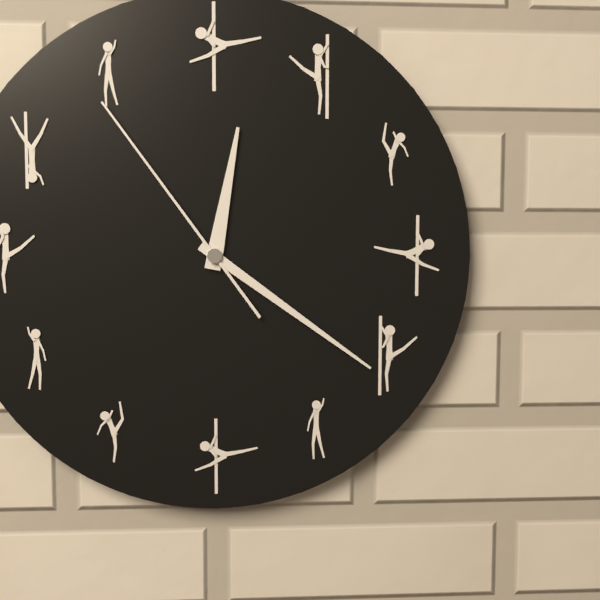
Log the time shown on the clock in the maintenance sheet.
12:21:54
